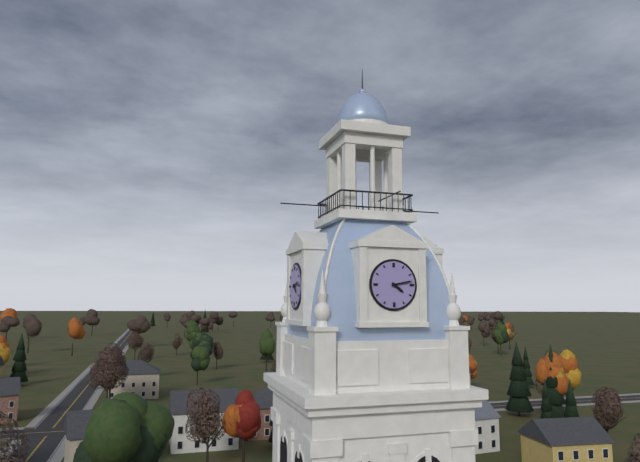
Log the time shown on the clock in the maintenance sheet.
4:13
